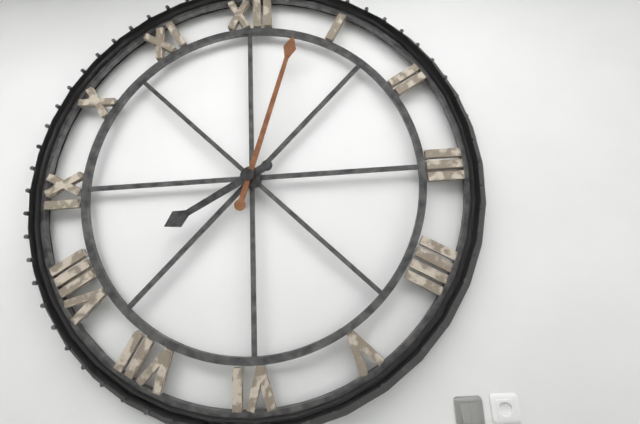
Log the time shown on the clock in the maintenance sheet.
8:03
